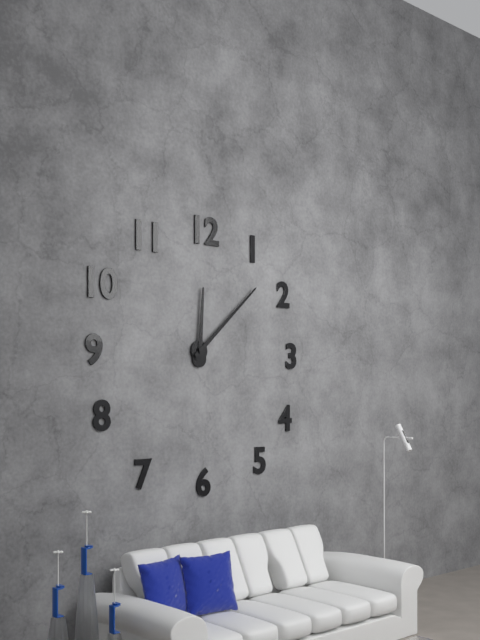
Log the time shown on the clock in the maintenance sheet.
12:08
